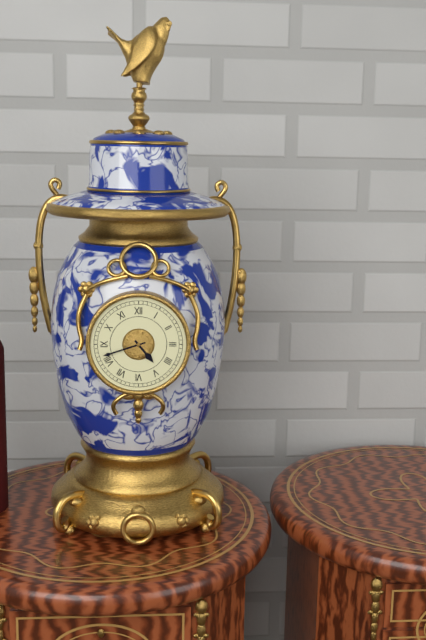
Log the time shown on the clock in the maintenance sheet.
4:42
